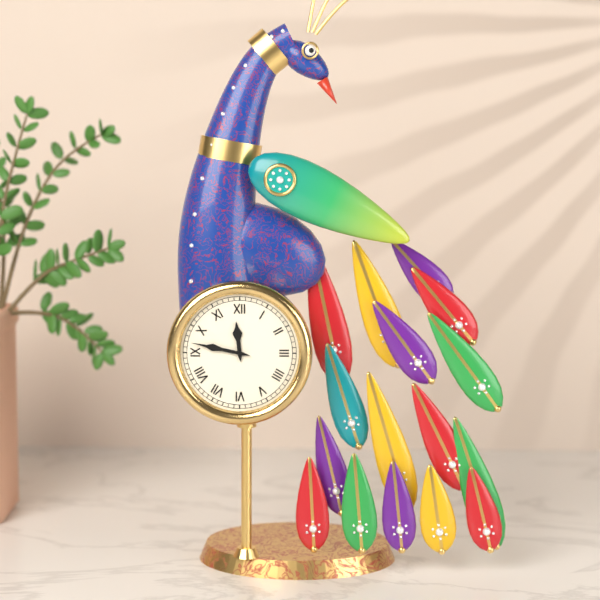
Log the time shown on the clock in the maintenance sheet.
11:47
